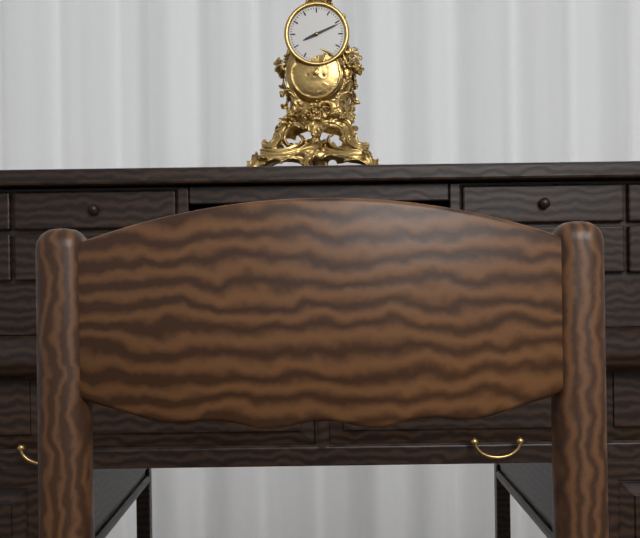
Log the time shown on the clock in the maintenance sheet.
8:11
